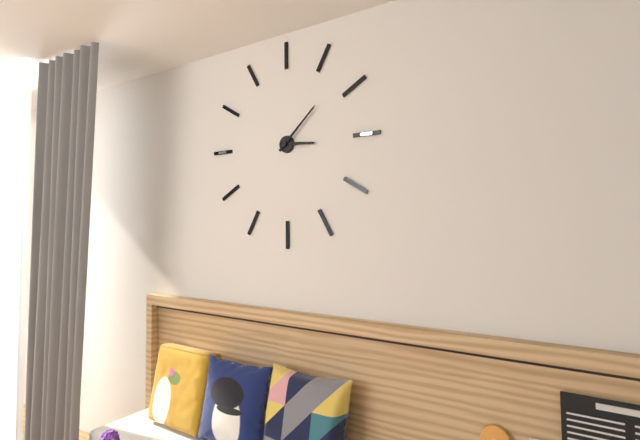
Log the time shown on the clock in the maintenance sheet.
3:08
